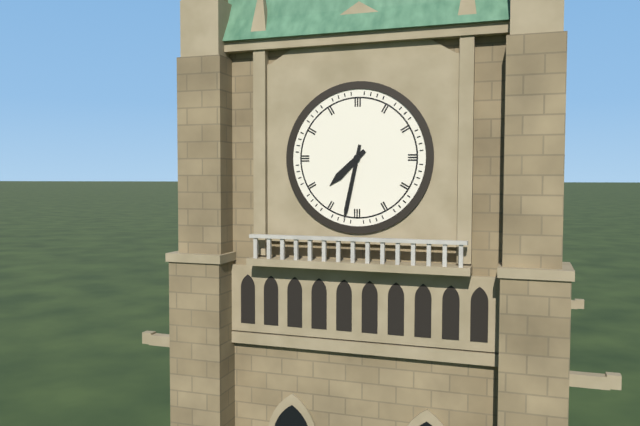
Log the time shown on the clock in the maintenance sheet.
7:32
